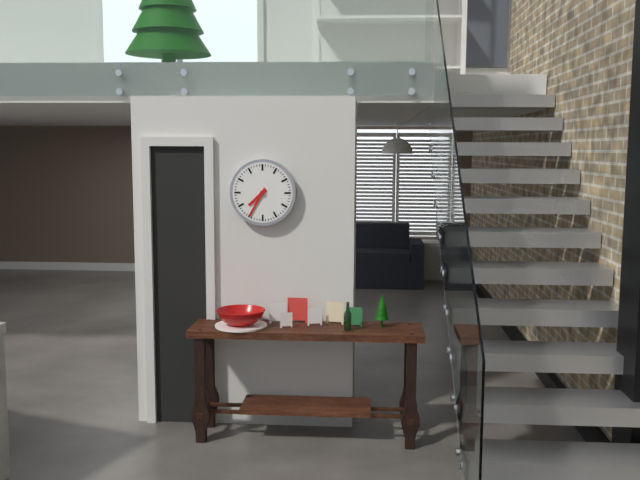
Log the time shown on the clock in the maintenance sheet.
7:35
